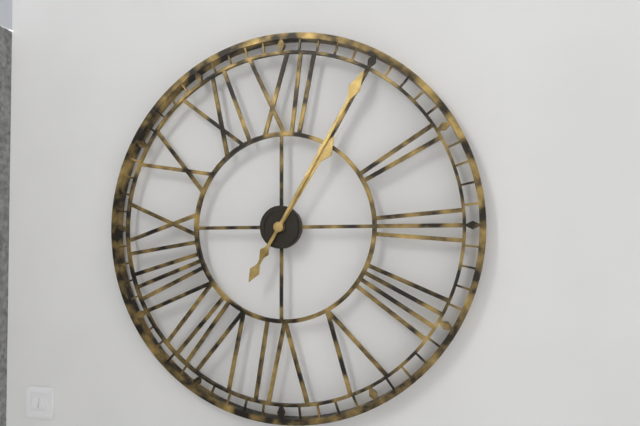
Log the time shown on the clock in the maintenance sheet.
1:05
